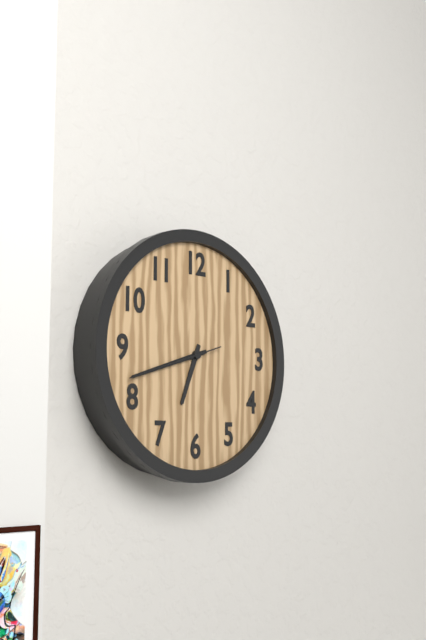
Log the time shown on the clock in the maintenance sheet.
6:42:42
